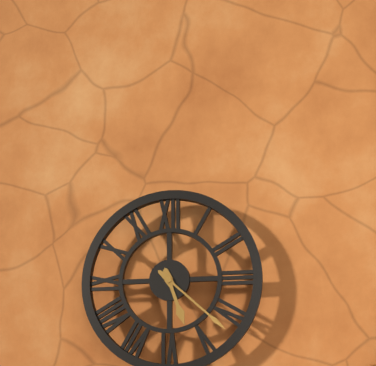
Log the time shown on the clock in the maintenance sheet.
5:22
